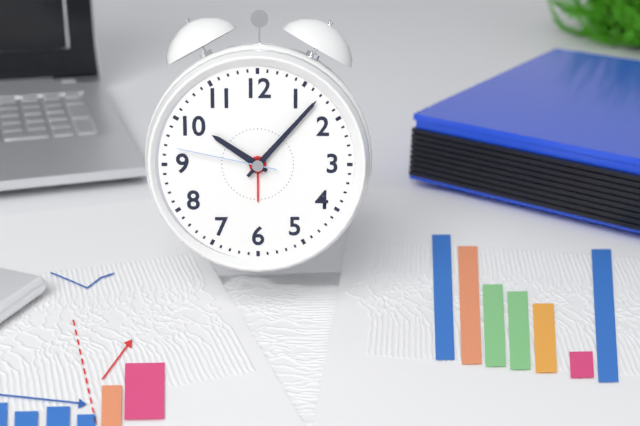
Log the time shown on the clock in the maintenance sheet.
10:07:47
